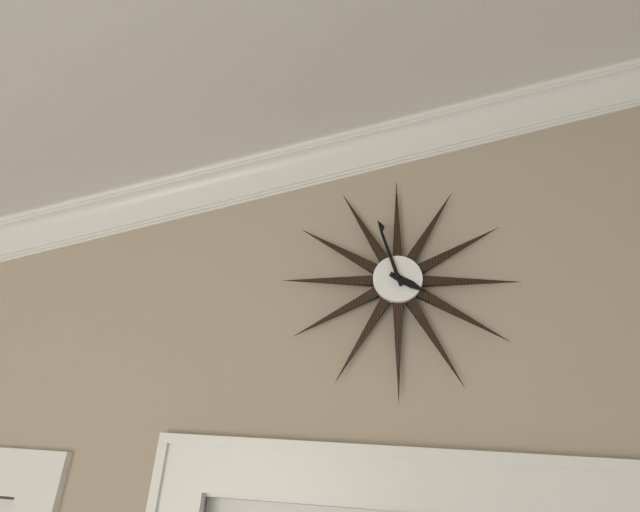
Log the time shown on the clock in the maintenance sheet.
3:57
